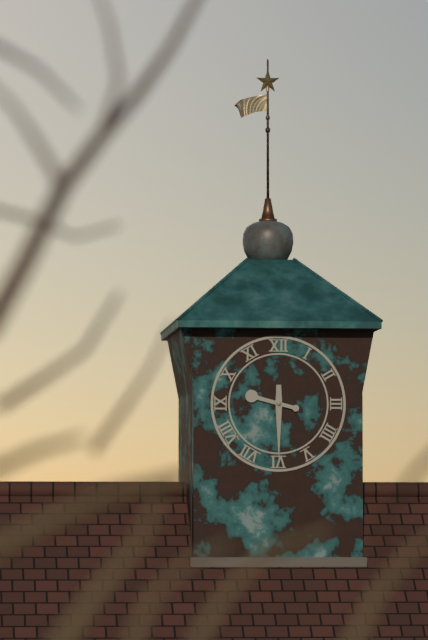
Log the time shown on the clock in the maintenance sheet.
9:30
